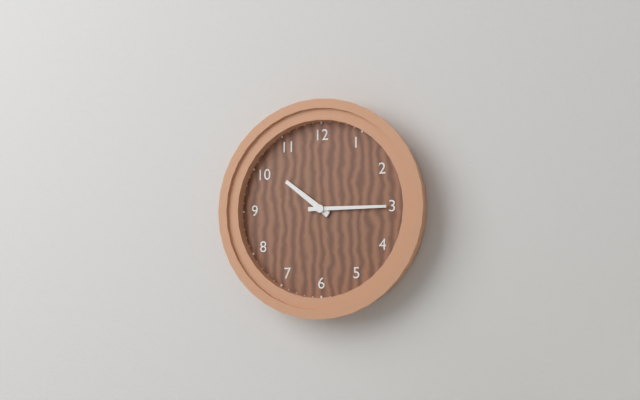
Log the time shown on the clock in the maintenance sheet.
10:15
